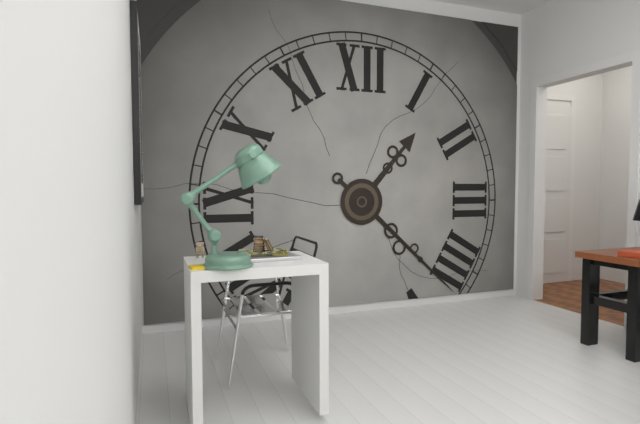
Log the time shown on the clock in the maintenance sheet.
1:22
